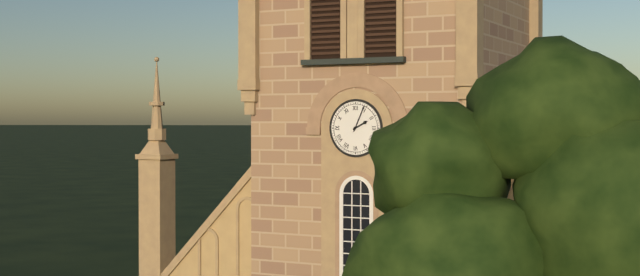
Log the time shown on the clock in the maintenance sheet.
2:04
